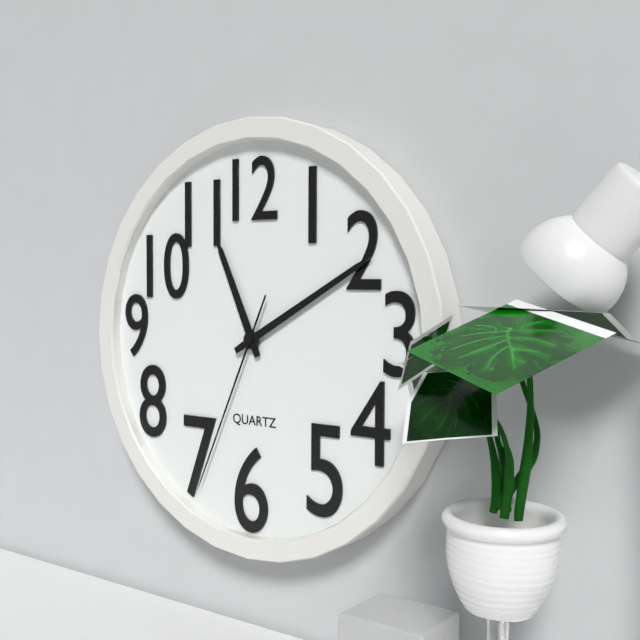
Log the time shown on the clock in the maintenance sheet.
11:10:34
